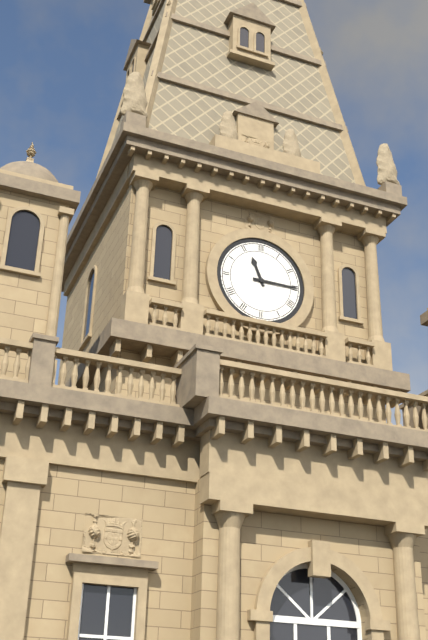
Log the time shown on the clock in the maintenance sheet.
11:15
